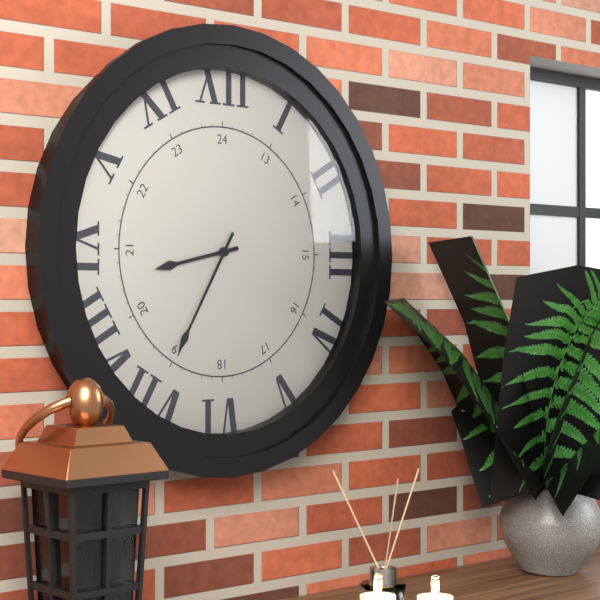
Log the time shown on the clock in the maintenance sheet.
8:35
